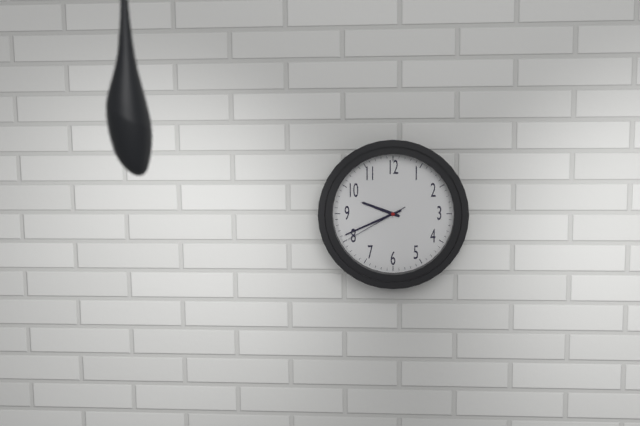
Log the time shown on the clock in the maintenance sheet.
9:41:40
